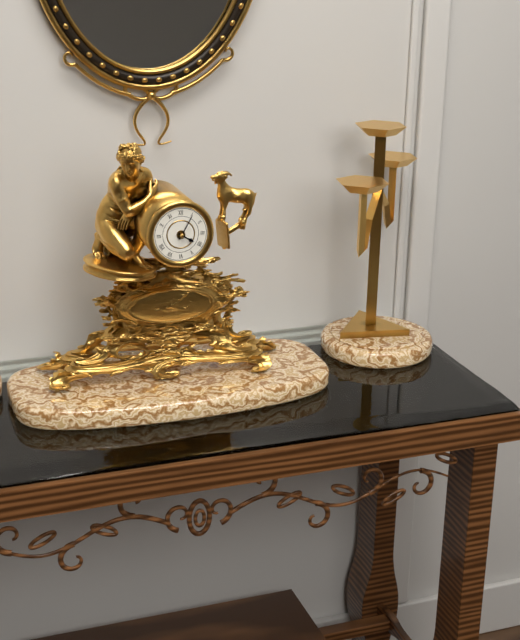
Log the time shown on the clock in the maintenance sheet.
4:05
